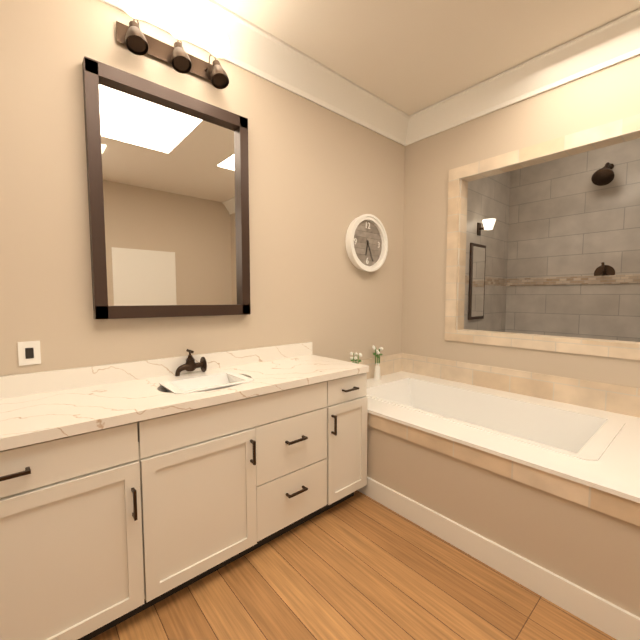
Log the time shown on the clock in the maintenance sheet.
6:26
